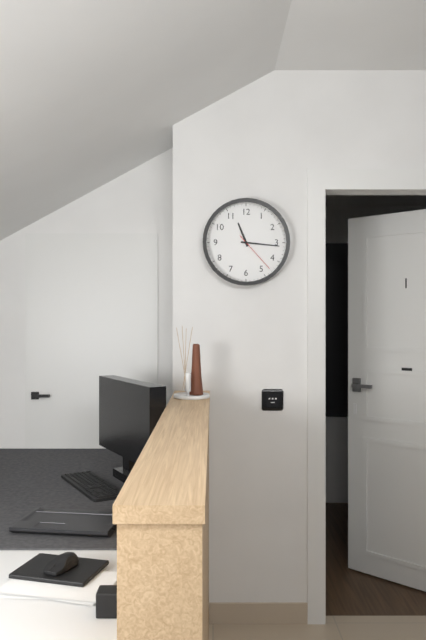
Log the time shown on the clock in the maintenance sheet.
11:16
